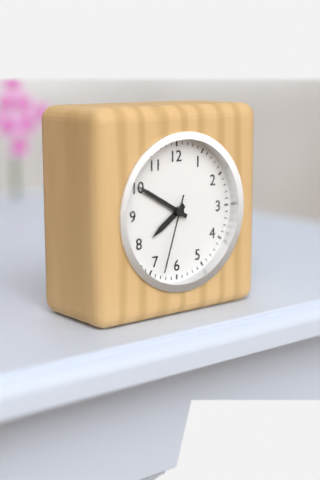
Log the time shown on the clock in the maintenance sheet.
7:50:33
